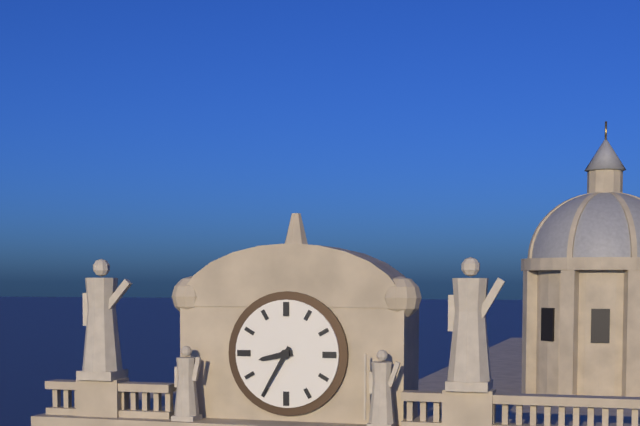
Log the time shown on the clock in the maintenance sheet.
8:35
